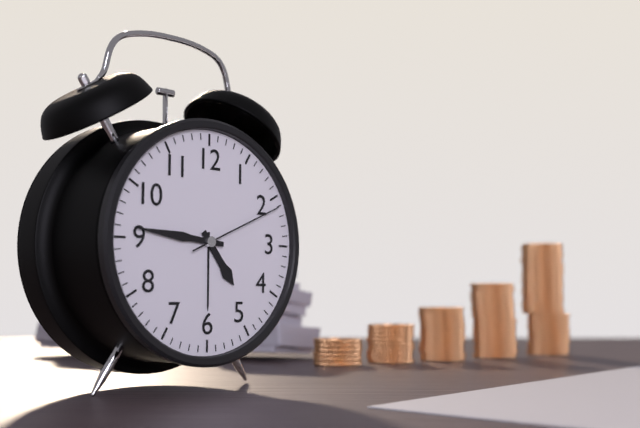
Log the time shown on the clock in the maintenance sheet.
4:46:11
